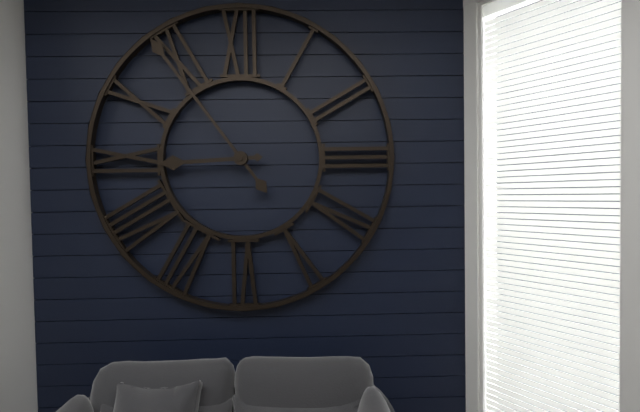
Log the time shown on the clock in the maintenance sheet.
8:54
